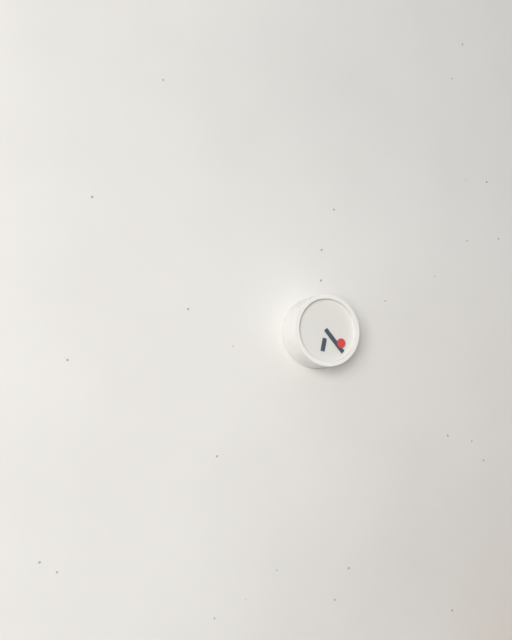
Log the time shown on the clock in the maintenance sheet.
6:23
